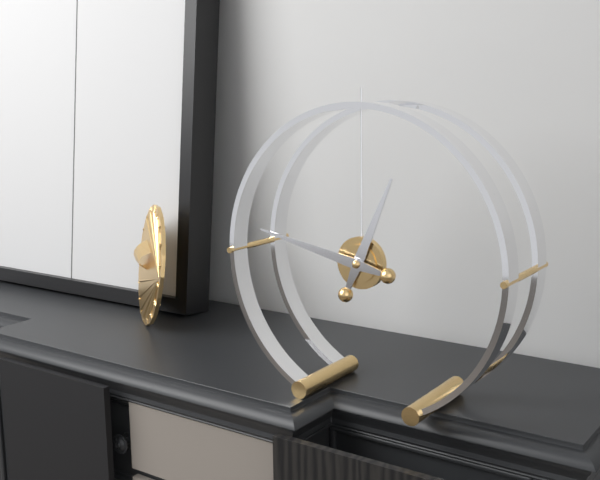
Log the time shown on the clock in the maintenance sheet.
12:47
